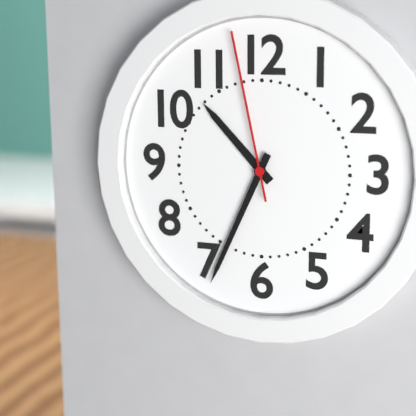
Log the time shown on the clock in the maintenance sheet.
10:34:58
